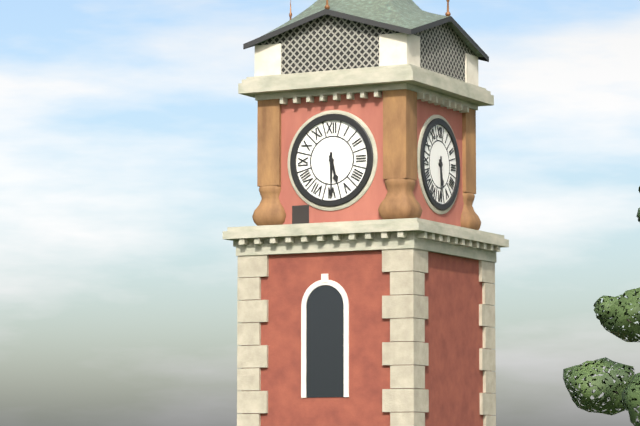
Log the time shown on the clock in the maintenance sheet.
5:30
